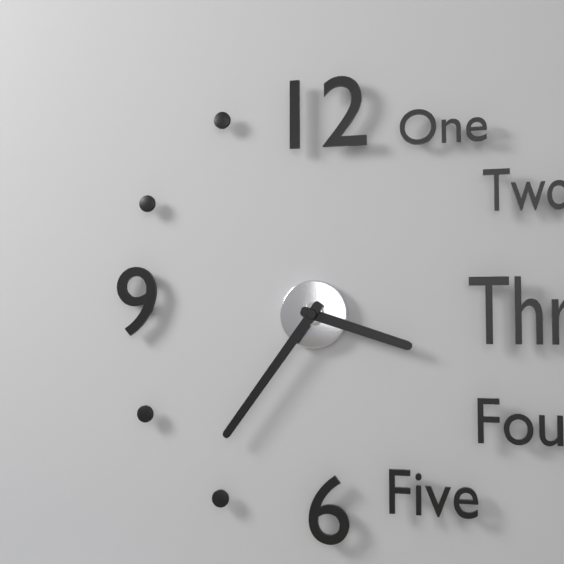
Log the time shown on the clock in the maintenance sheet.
3:36
